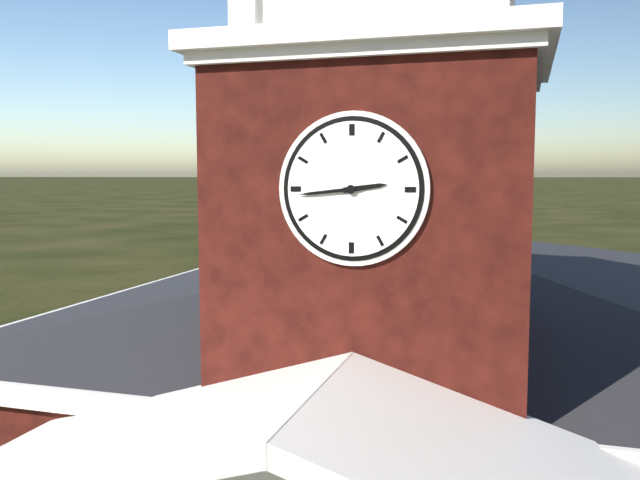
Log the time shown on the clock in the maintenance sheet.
2:44
